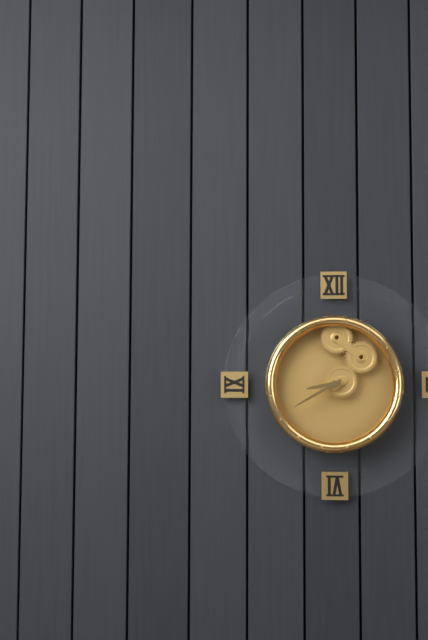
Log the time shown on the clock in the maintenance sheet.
8:40
